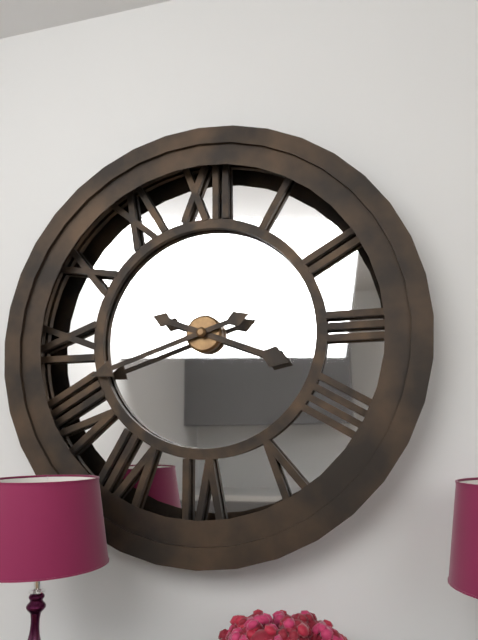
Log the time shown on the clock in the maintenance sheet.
3:42
